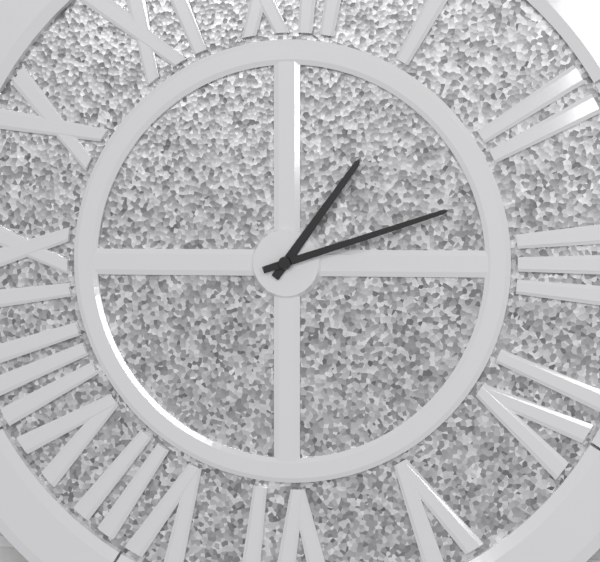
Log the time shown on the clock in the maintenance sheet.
1:12
